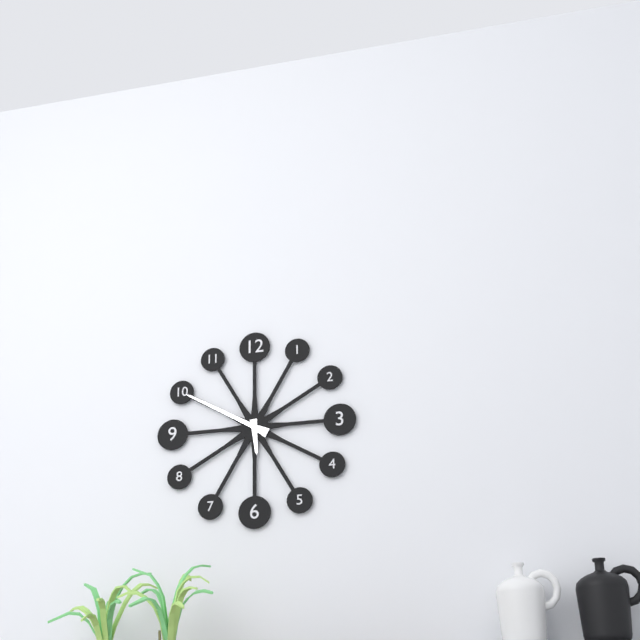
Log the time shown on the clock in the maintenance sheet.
5:50
